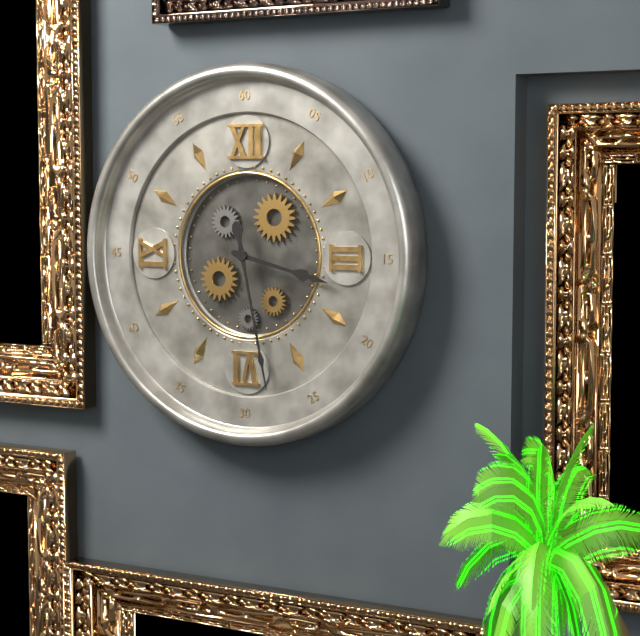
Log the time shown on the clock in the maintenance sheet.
3:28
